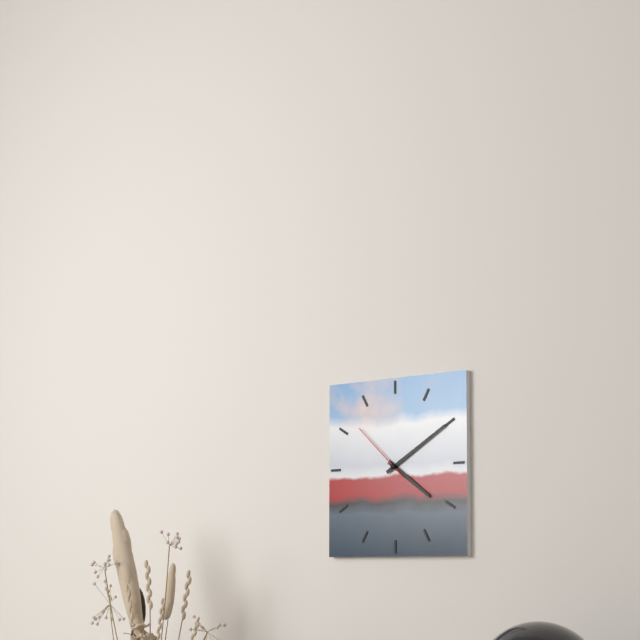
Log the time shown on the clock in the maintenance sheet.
4:10:52
